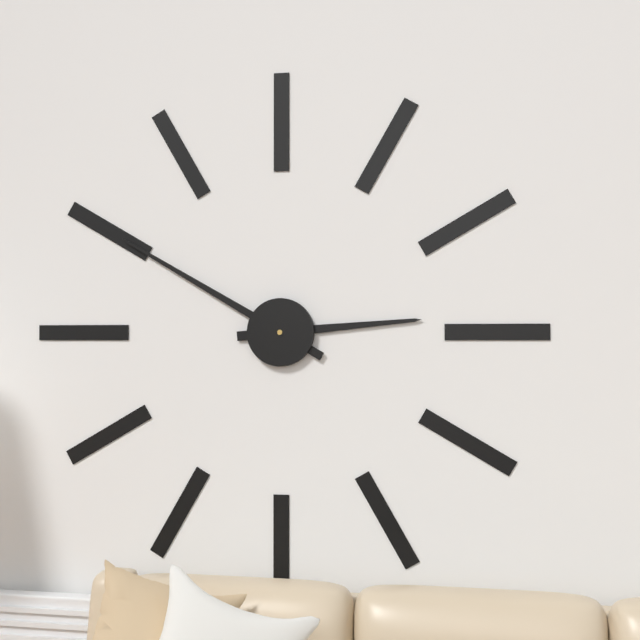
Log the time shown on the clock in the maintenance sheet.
2:50
